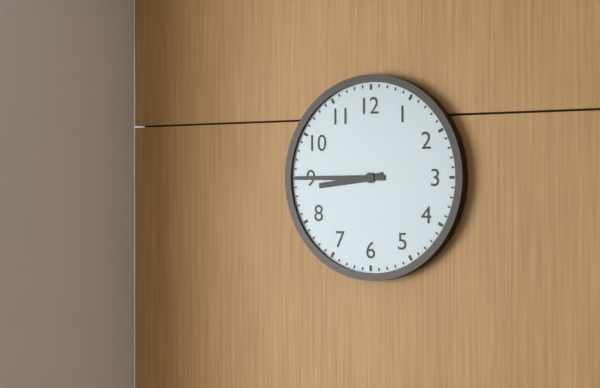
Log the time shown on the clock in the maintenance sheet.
8:45
